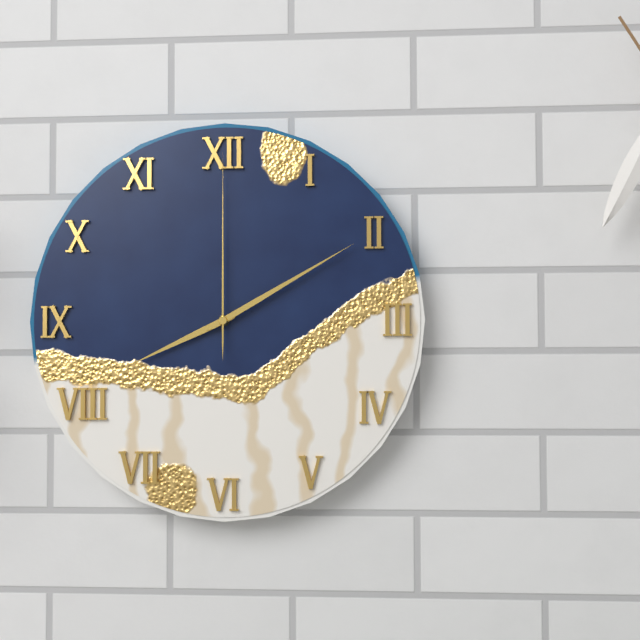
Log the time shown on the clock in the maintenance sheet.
8:10:00
